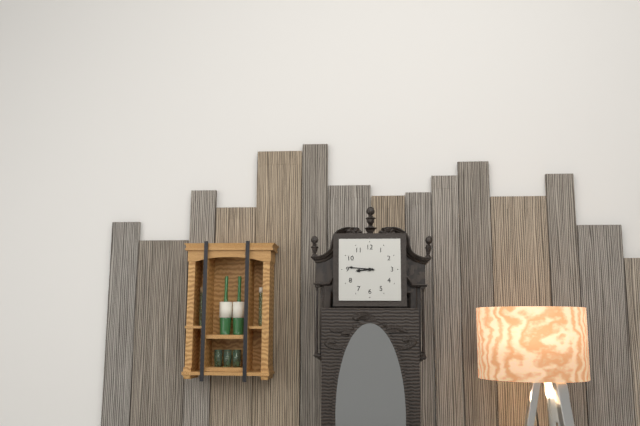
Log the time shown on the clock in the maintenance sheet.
8:46
